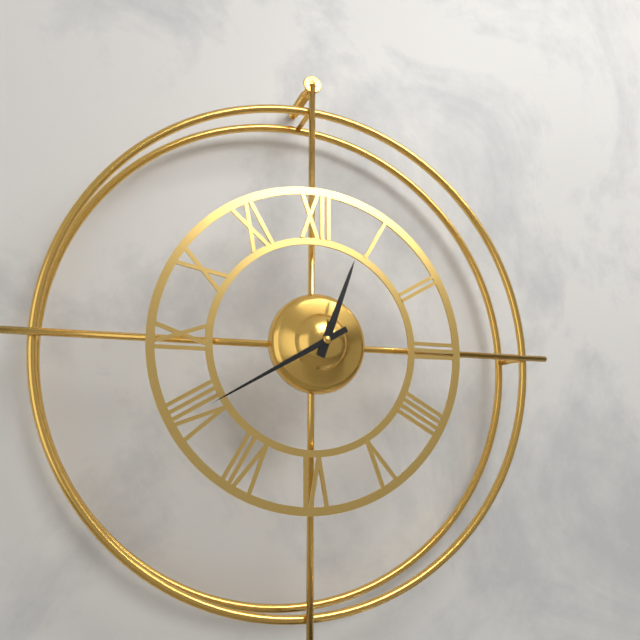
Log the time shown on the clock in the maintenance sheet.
12:40
